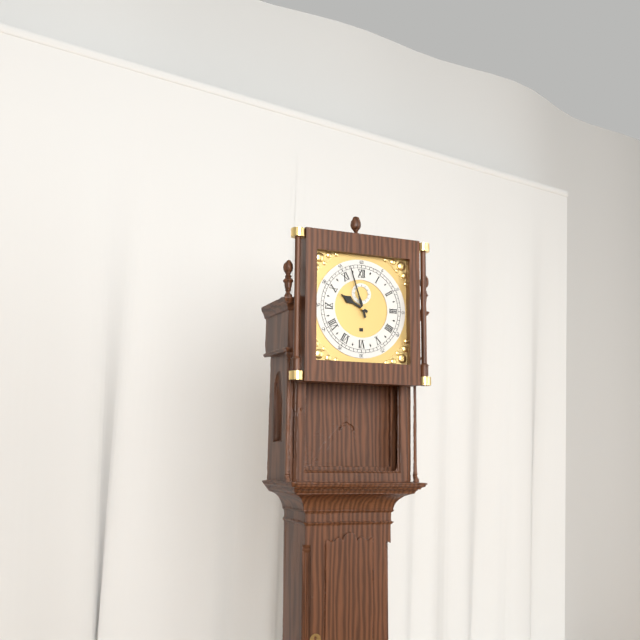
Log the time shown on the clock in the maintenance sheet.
9:57
